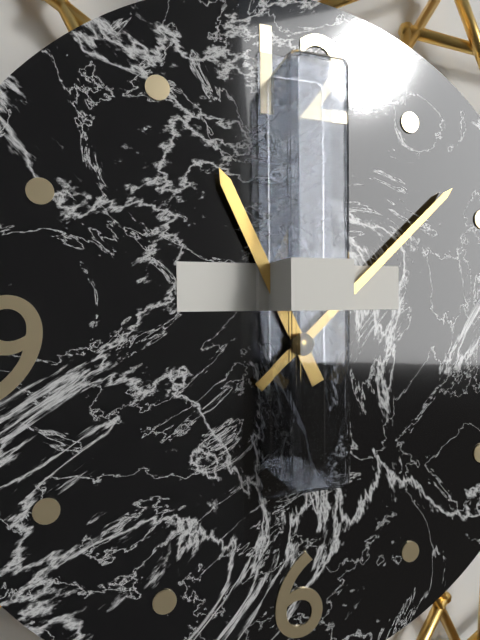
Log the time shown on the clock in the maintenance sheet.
11:08
